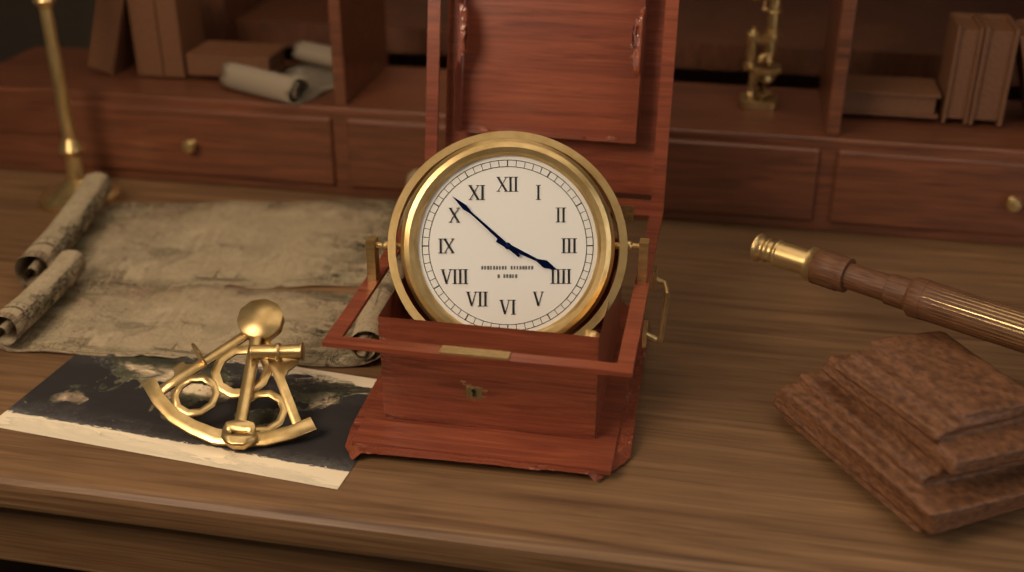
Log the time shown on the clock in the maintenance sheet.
3:52
